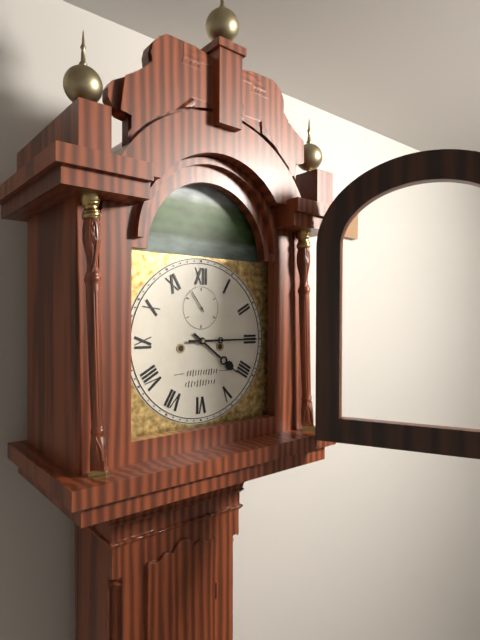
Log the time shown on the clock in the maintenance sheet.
4:15
